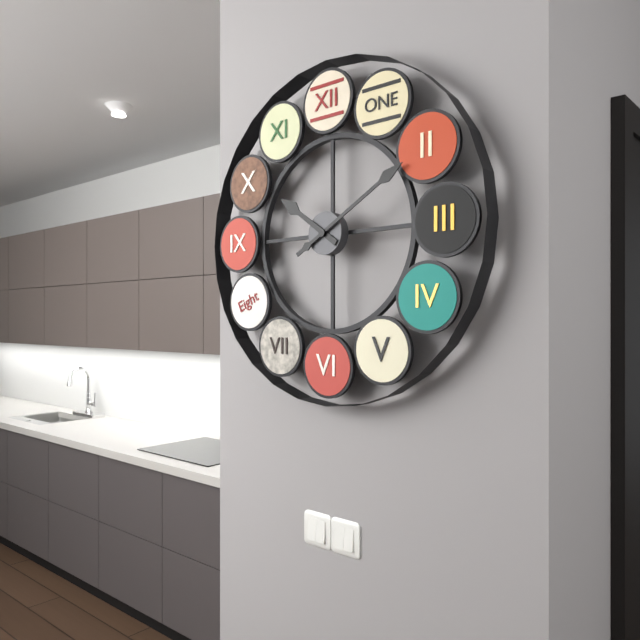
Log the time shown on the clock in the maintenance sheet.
10:10
